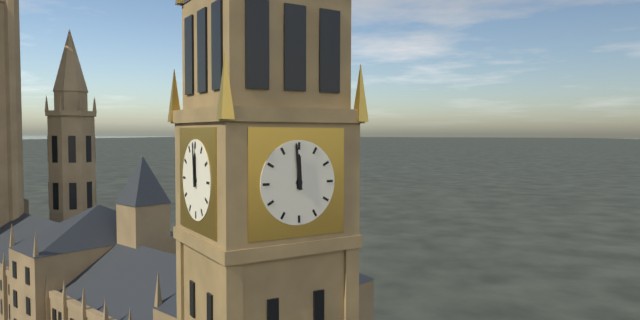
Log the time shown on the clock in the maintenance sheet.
11:59
